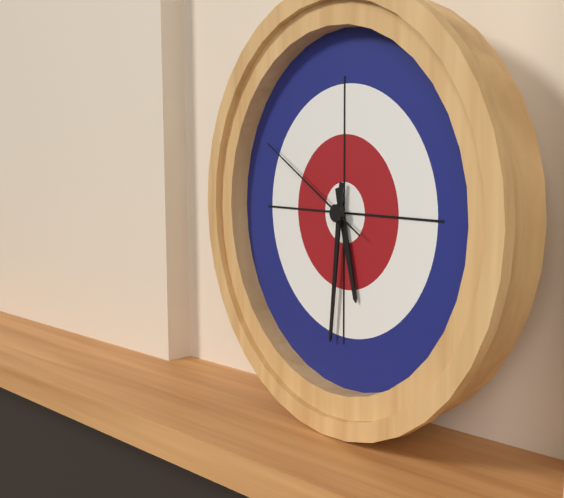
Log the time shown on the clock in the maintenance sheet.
5:31:50
